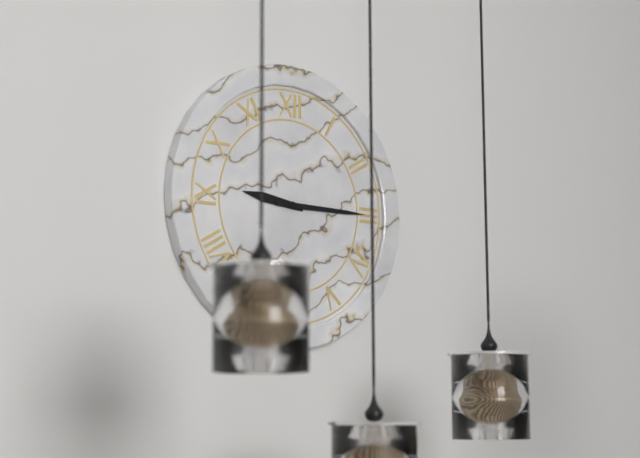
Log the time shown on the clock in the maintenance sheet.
9:15
